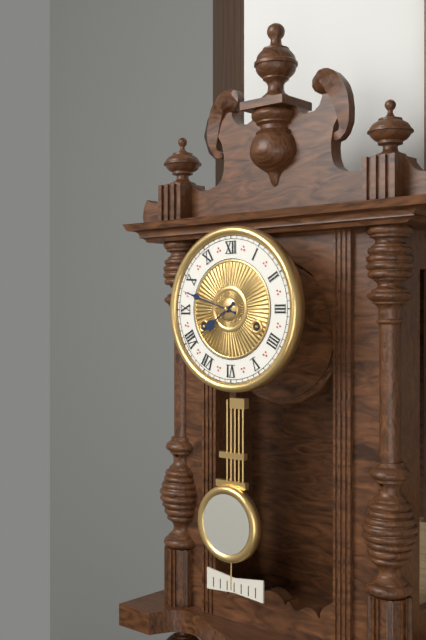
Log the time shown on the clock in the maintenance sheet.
7:48
